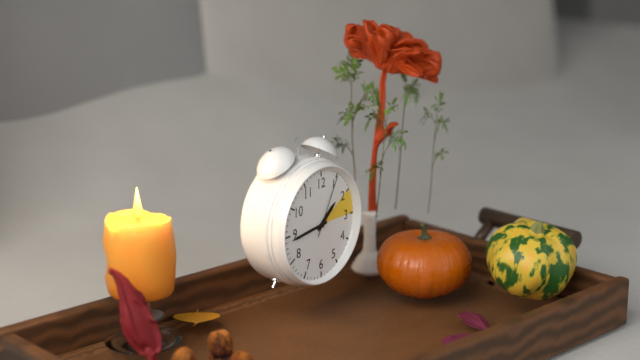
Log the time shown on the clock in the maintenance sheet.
1:44:05
